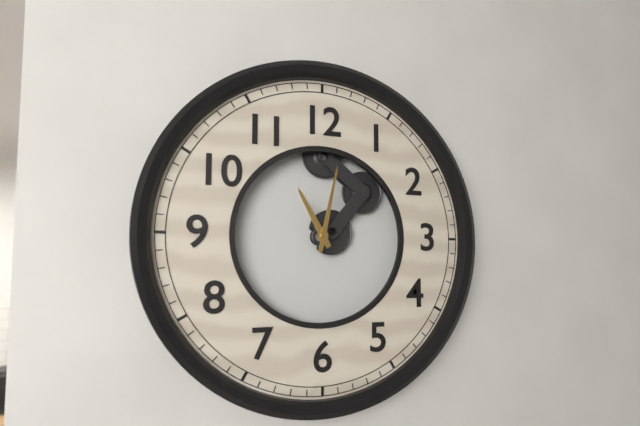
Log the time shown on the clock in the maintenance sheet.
11:02
